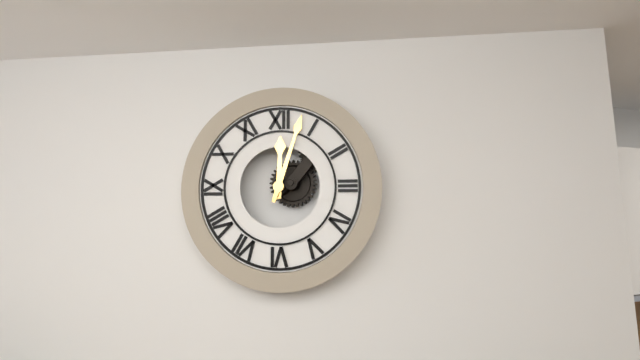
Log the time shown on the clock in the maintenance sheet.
12:03
